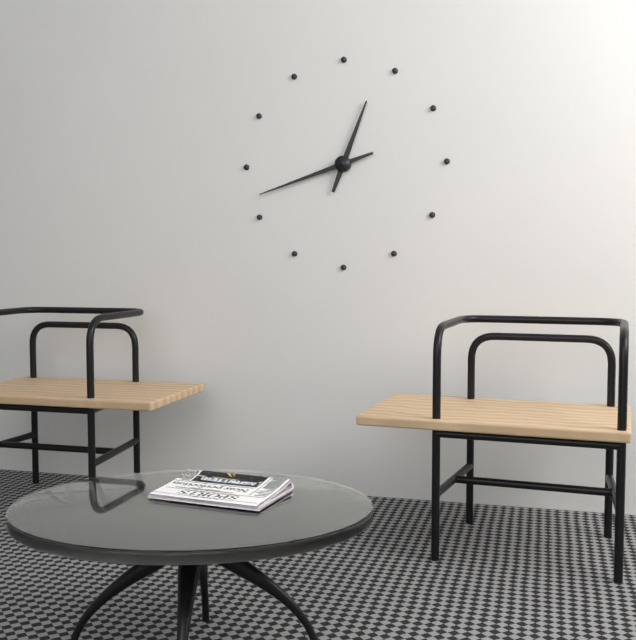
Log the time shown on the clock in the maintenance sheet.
12:42
